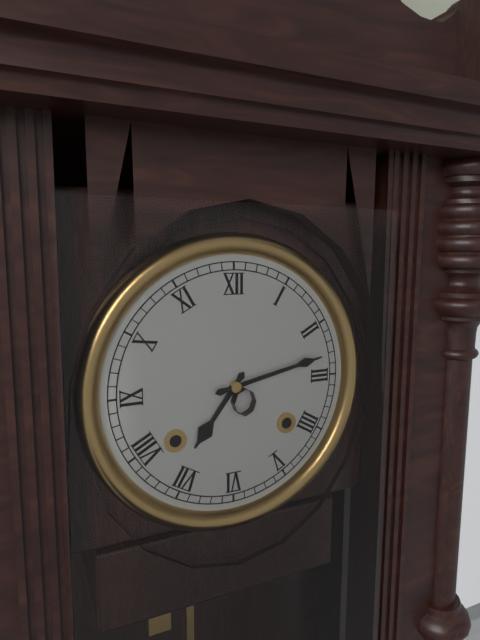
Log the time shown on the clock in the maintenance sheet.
7:13
